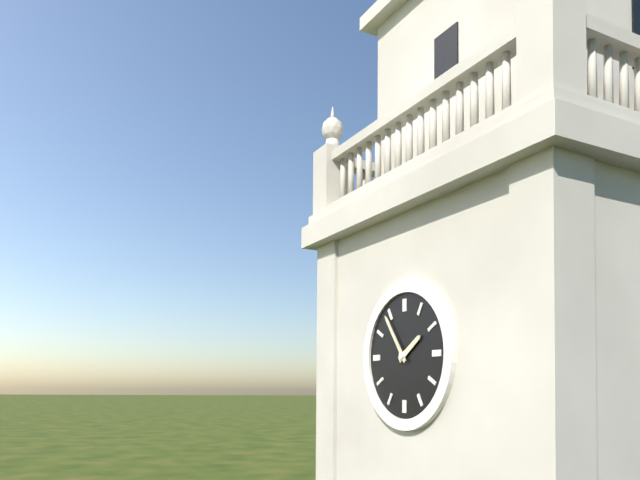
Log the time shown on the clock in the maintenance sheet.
1:54
